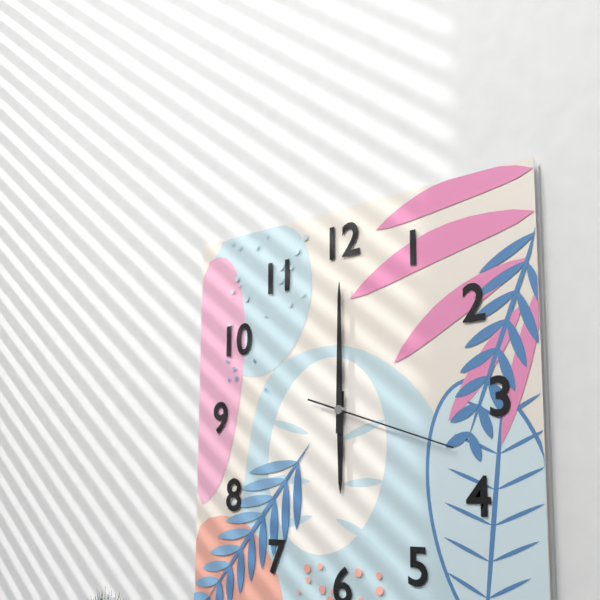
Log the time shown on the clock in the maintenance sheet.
6:00:18
